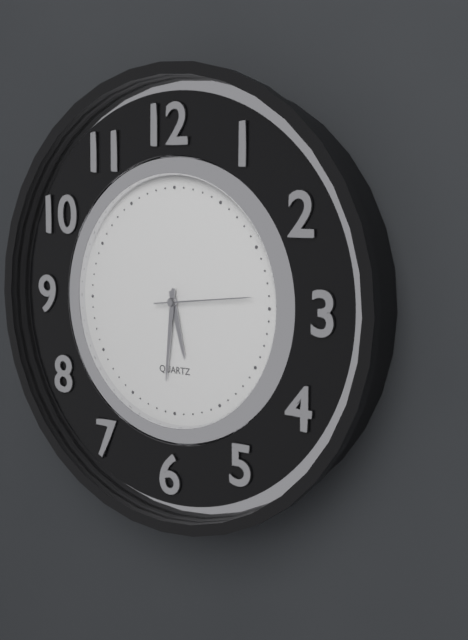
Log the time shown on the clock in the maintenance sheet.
5:31:14
